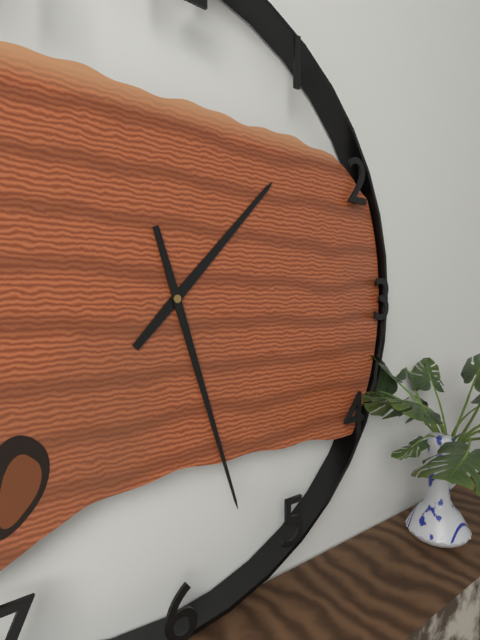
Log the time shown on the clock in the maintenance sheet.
1:27
